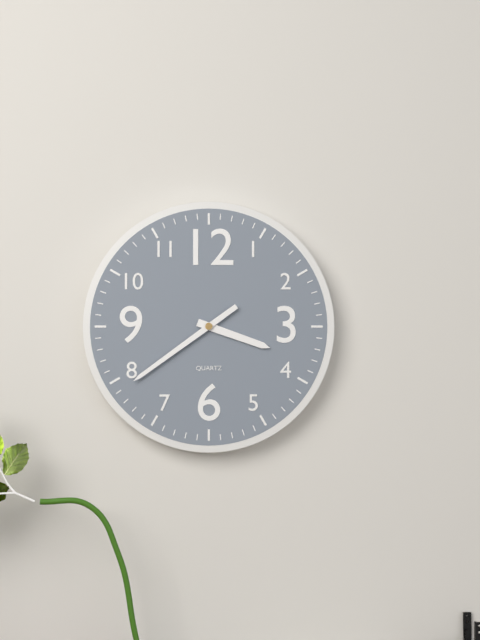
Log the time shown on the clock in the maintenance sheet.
3:39
